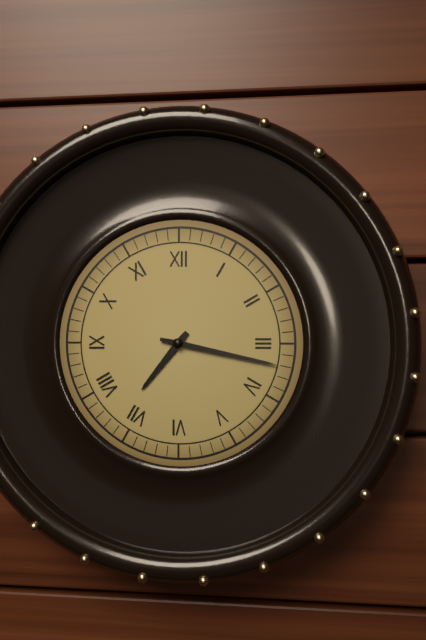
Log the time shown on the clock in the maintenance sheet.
7:17
